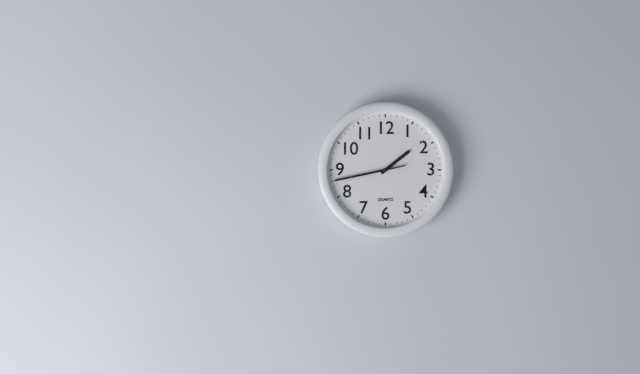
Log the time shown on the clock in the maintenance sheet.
1:43
